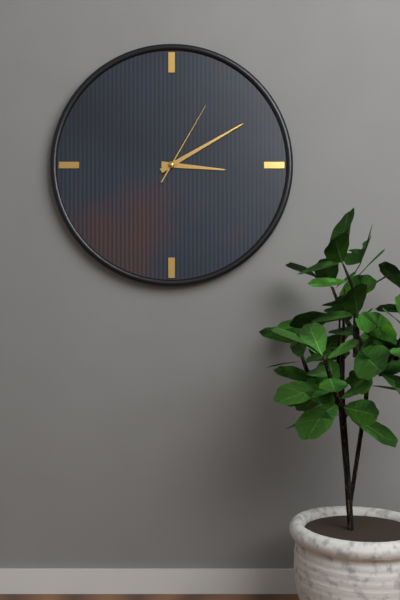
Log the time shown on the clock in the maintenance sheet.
3:10:05
